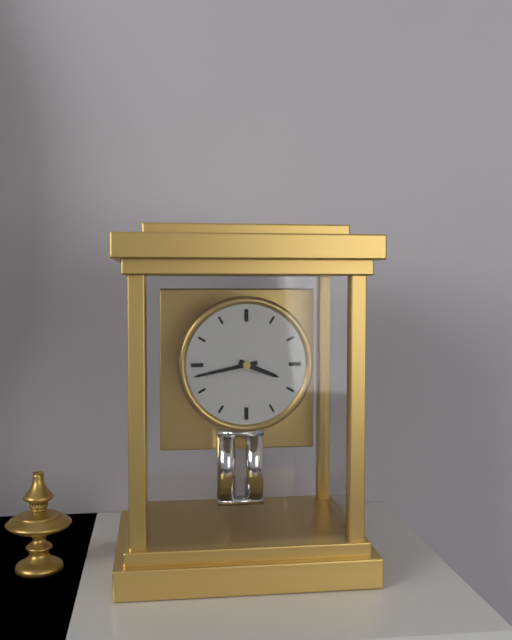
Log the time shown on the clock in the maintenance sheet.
3:43
